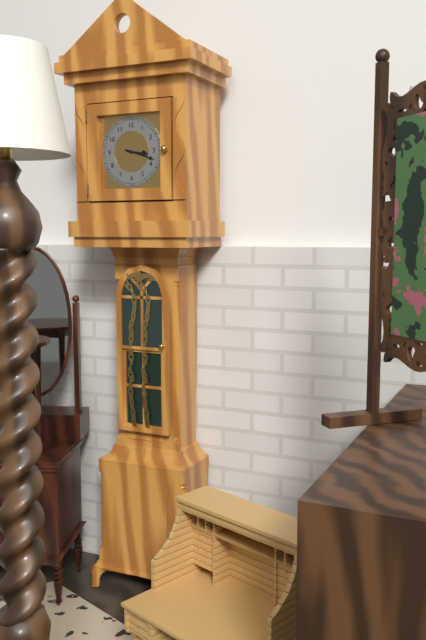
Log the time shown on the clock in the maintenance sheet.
3:18
